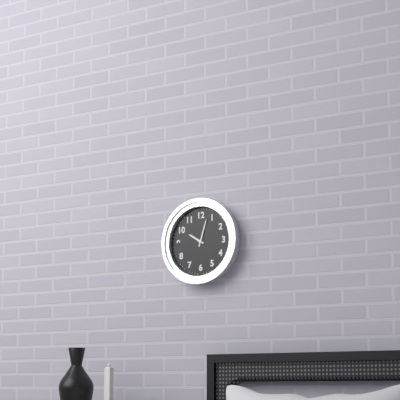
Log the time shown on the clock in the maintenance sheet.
10:03
